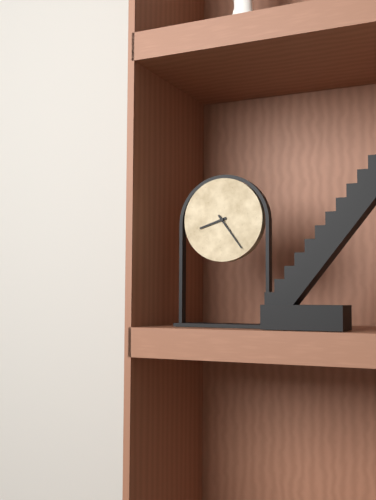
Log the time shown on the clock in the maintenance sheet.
8:24
